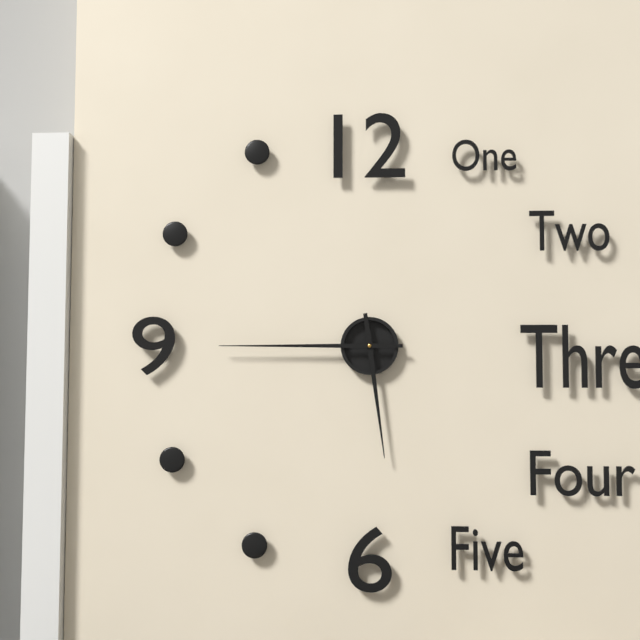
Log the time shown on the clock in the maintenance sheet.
5:45
